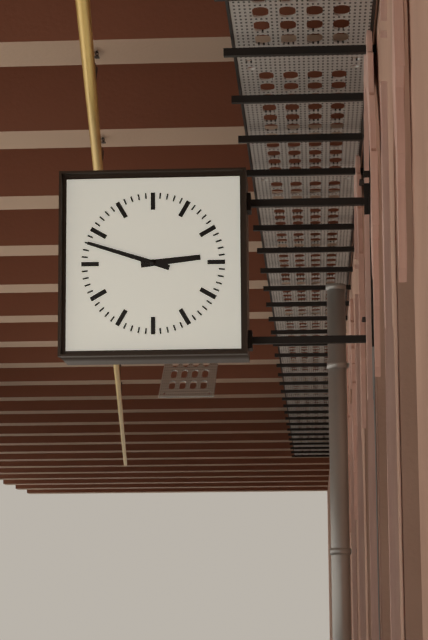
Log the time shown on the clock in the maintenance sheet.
2:48
